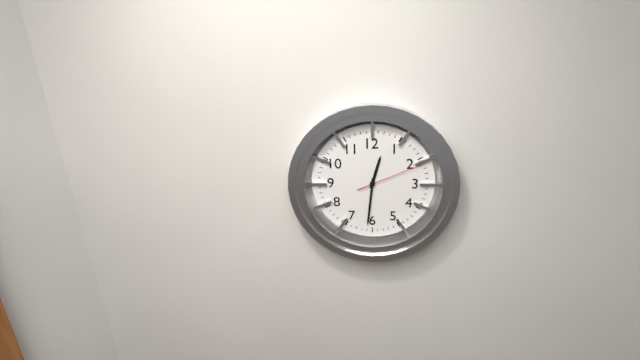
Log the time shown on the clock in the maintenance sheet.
12:31:11
